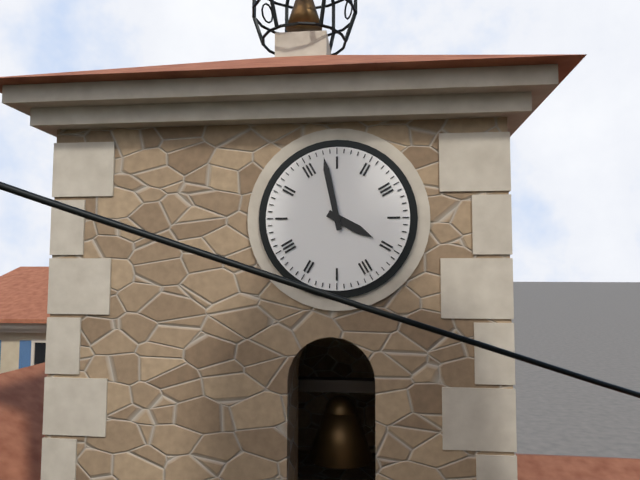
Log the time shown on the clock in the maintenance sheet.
3:58
